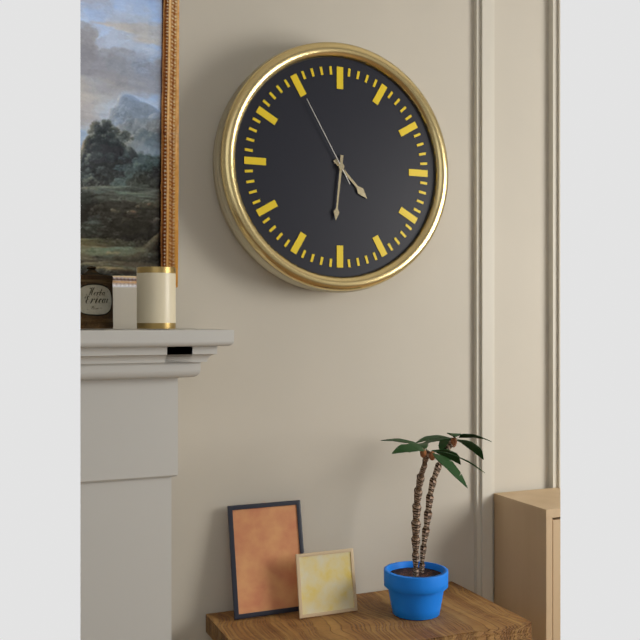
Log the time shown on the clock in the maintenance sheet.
4:31:55
